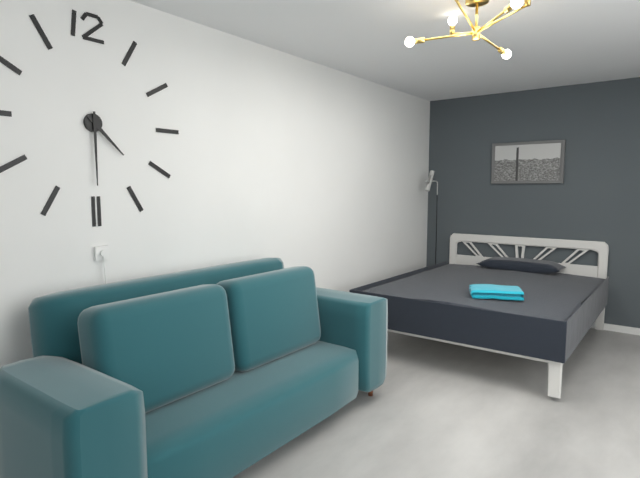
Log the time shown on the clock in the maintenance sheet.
4:30
